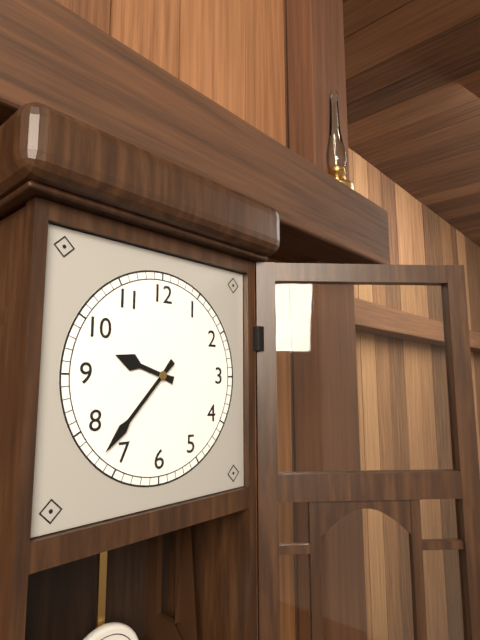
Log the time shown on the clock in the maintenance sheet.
9:37
